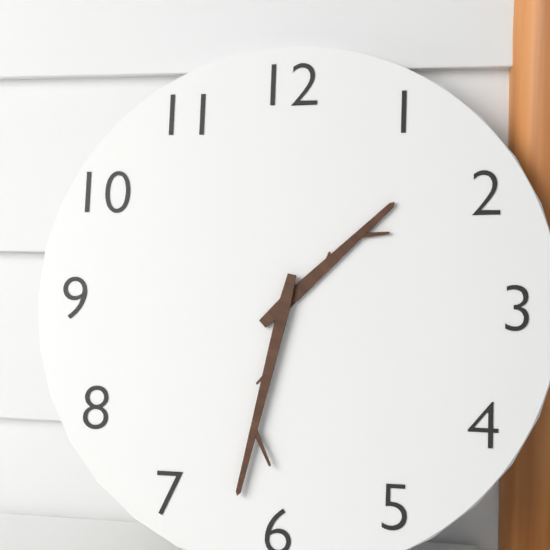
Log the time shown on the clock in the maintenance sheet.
1:32
